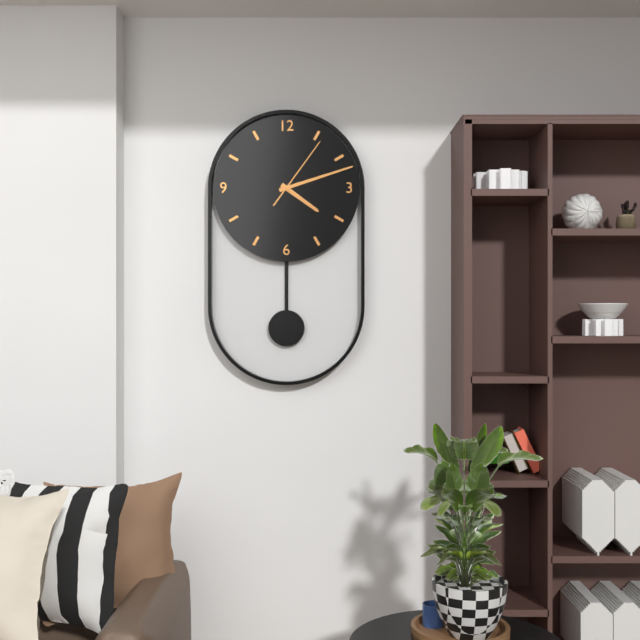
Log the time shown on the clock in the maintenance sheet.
4:12:06
